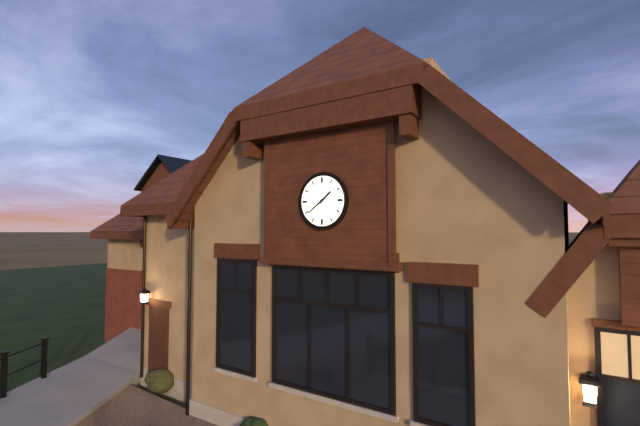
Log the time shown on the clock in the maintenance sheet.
1:39
